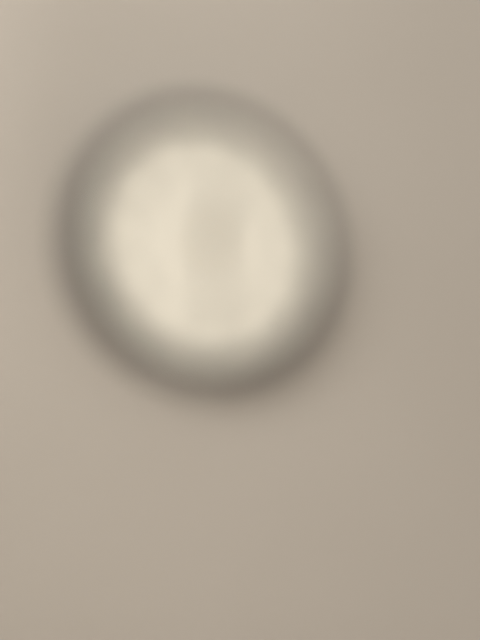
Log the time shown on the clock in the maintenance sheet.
12:29
